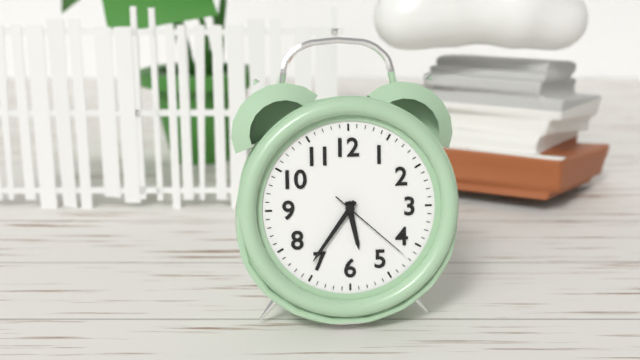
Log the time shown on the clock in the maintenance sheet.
5:36:22
